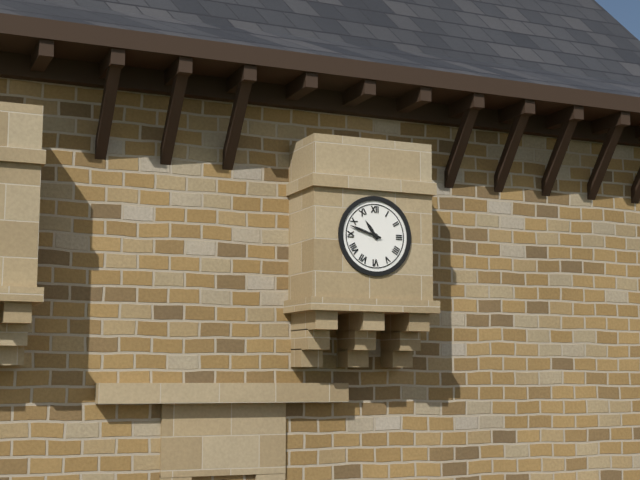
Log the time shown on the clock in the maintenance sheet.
10:48
